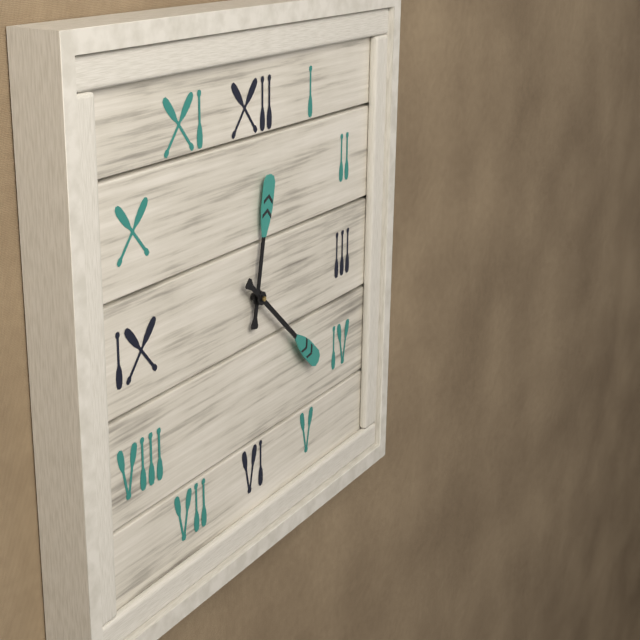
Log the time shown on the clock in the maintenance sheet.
12:22
